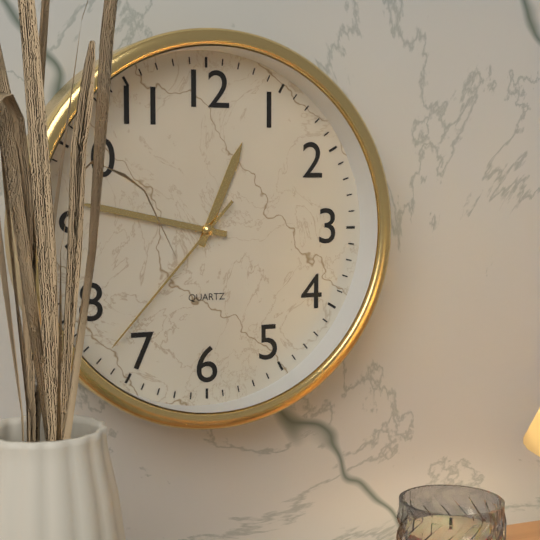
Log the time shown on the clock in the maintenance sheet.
12:47:37
